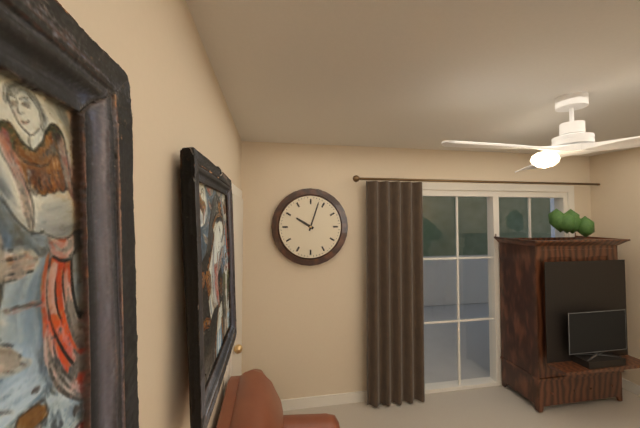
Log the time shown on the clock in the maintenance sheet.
10:03
